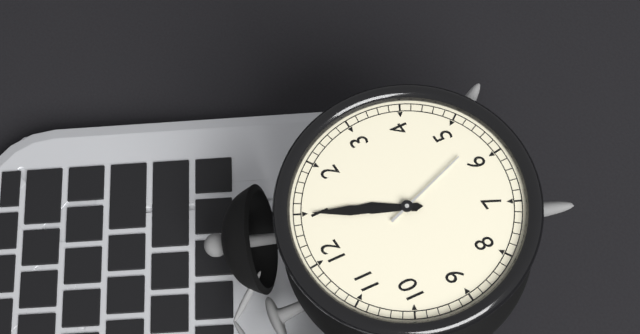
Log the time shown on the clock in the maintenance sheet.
1:05:28
